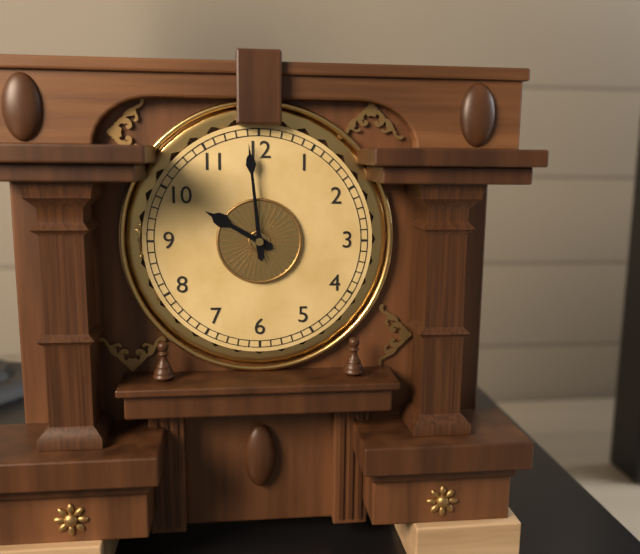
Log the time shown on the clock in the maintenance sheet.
9:59
